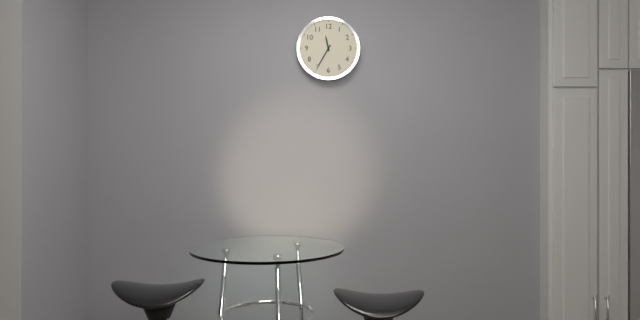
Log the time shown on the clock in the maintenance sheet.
11:35
